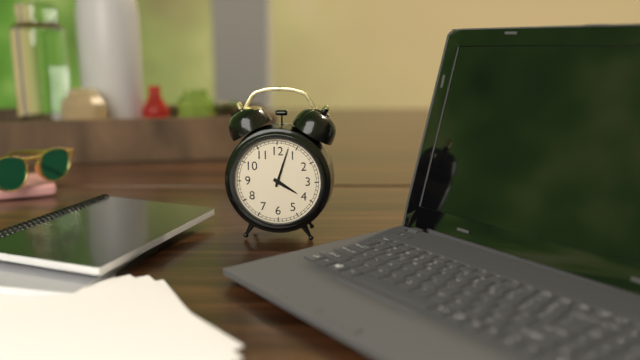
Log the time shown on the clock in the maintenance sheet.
4:03
